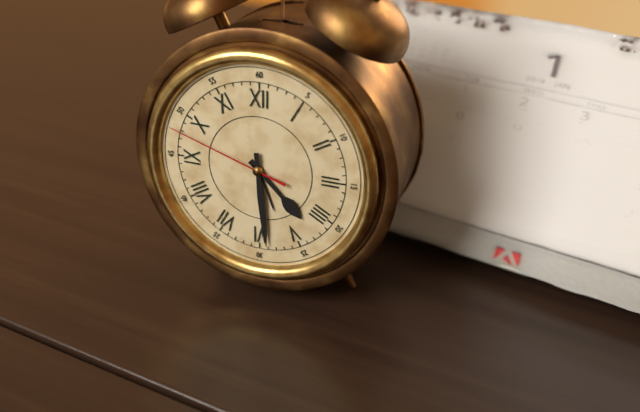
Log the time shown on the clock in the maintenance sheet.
4:29:48
